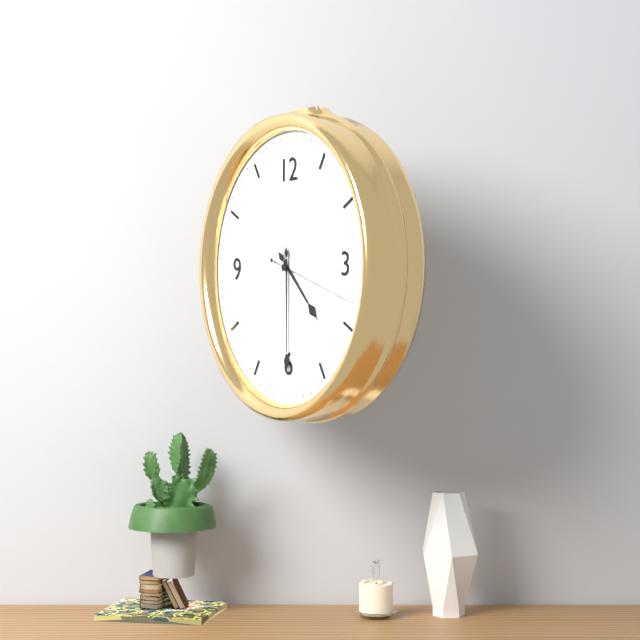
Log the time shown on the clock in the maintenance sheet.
4:30:18
